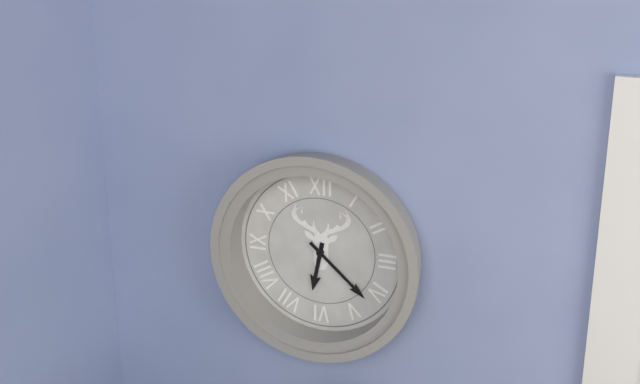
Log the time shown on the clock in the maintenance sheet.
6:22
